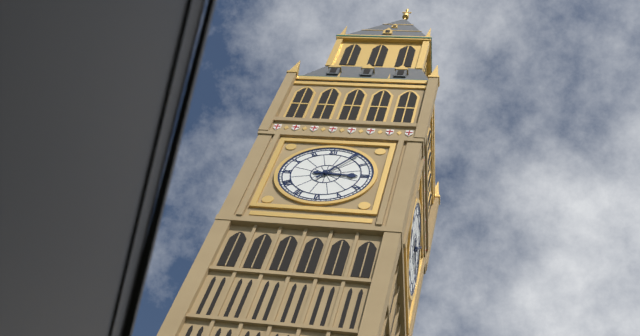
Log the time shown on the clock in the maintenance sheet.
3:06
